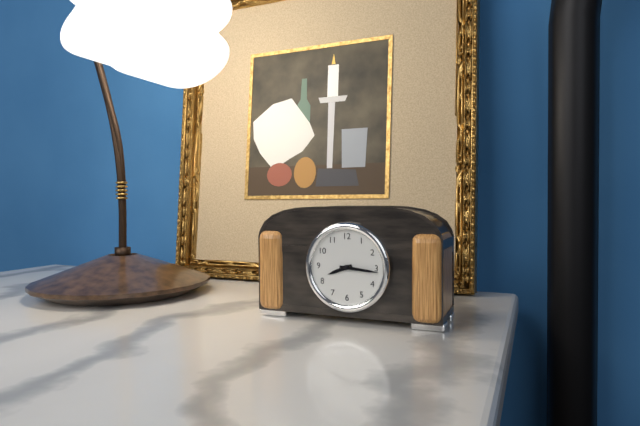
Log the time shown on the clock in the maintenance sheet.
8:16
